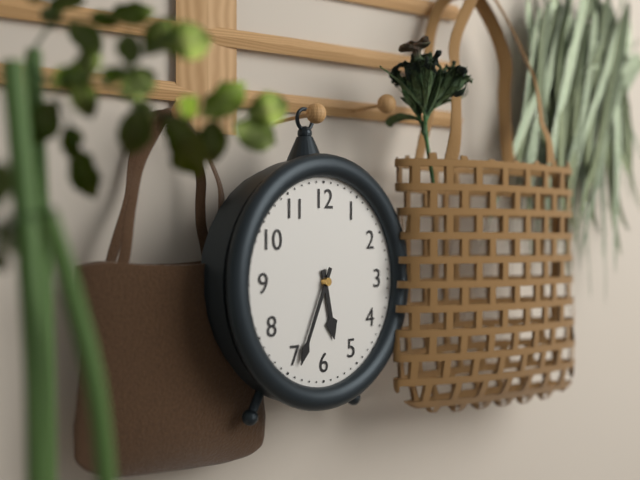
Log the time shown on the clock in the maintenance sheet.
5:34
